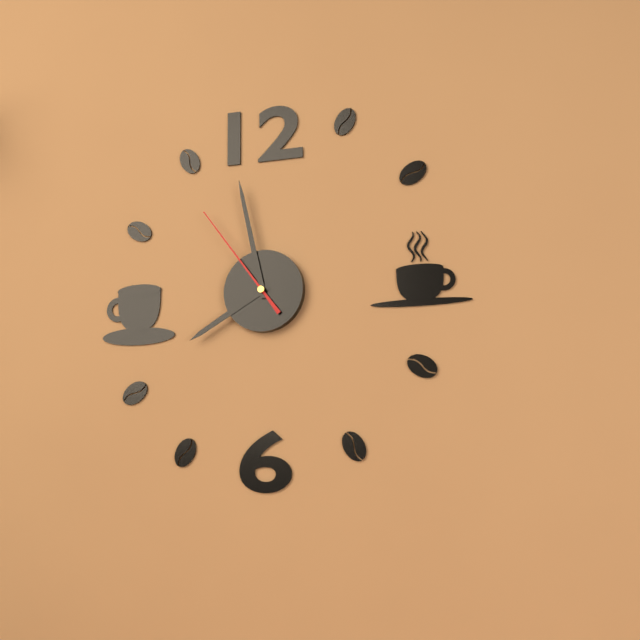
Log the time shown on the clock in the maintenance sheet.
7:58:54
